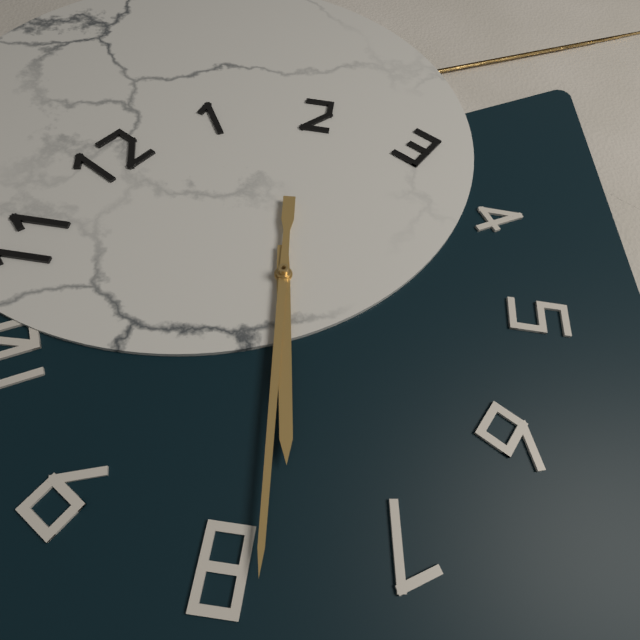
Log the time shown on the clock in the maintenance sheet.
7:39
